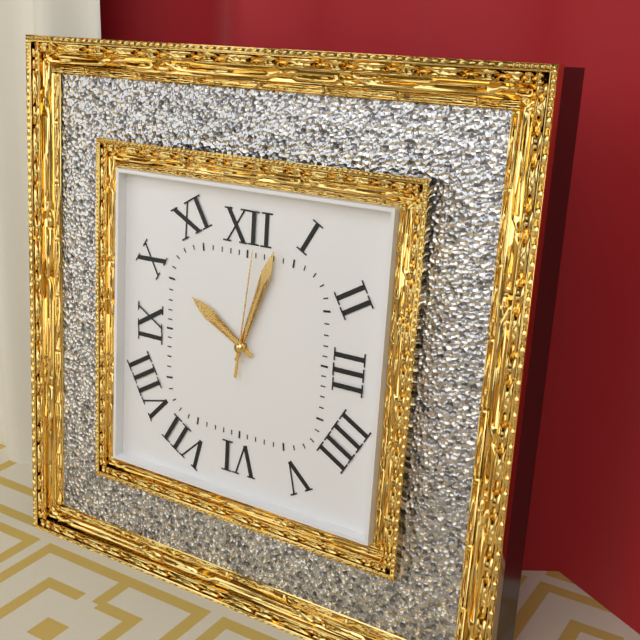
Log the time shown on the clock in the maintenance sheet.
10:03:01
